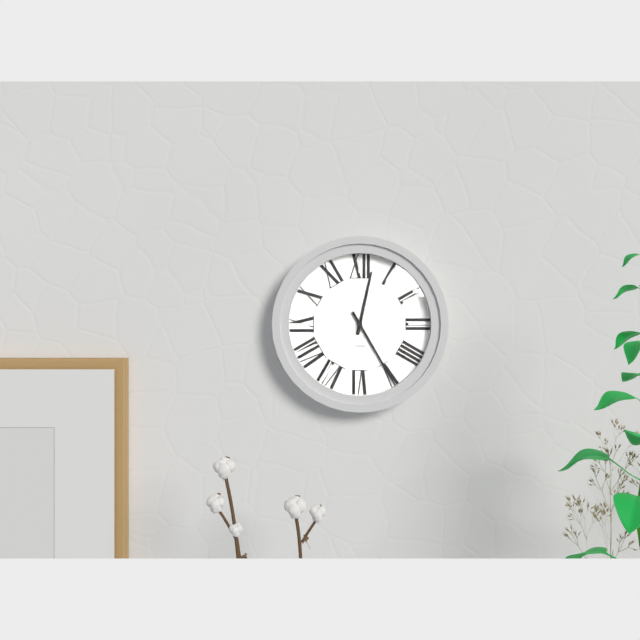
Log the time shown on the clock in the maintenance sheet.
12:25
